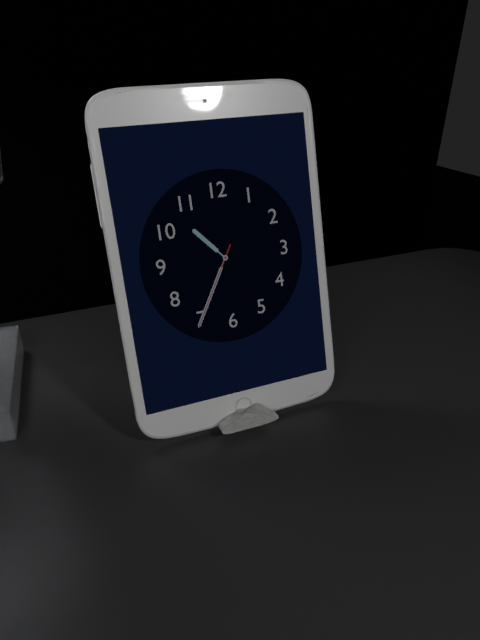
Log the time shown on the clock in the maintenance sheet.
10:35:35
